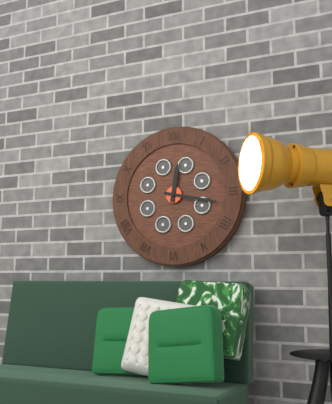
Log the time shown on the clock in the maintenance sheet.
12:17
